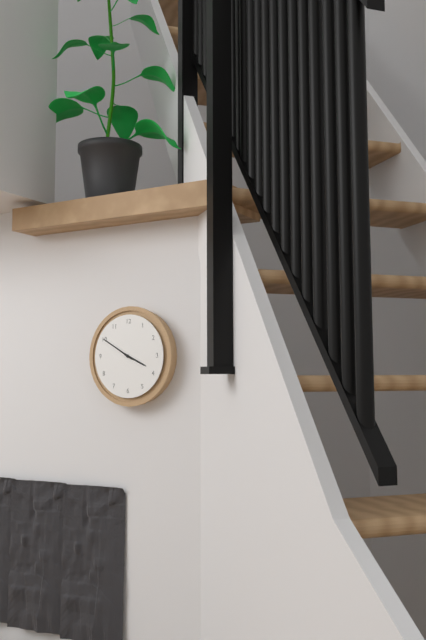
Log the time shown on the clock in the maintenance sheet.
3:50
